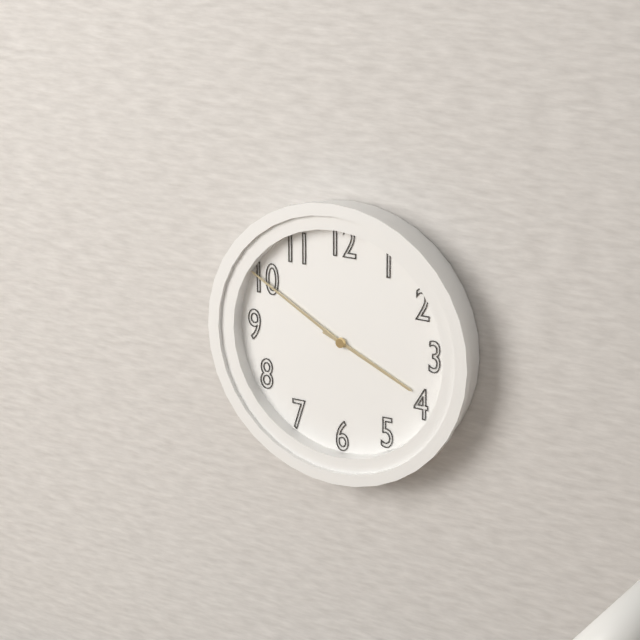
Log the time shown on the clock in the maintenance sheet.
3:50
